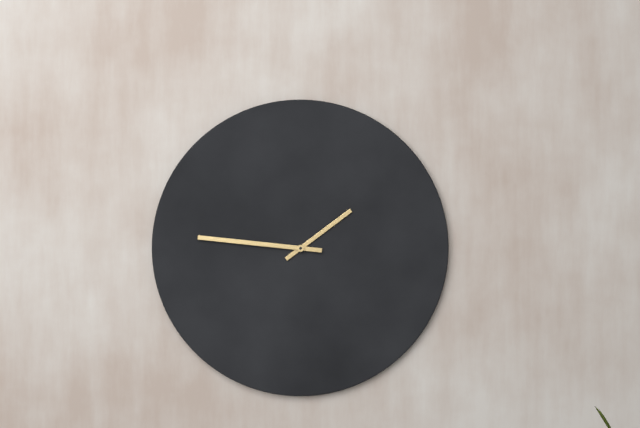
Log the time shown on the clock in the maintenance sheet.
1:46
